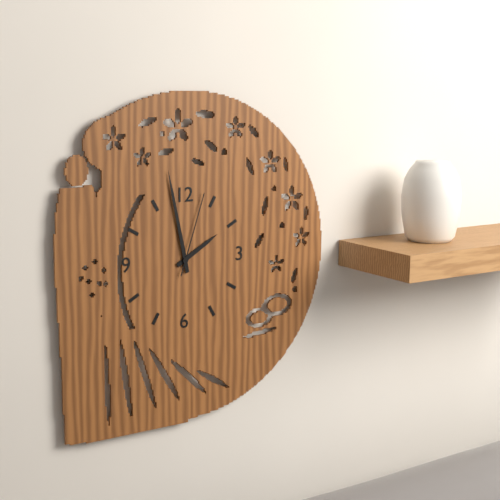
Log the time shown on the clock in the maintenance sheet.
1:58:03
